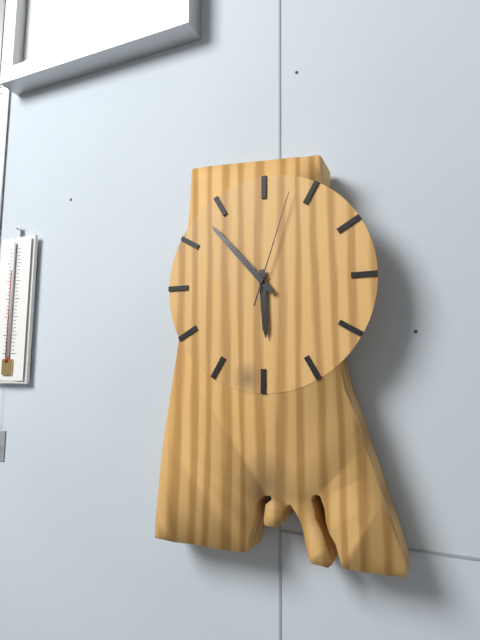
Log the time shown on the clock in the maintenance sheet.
5:53:03
